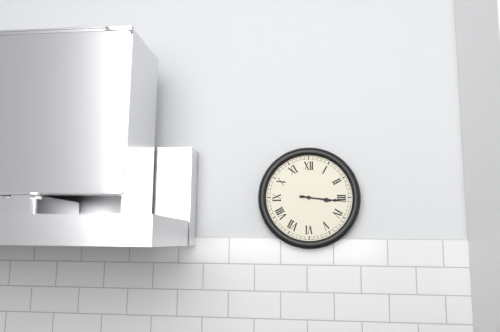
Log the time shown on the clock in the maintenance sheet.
3:16
